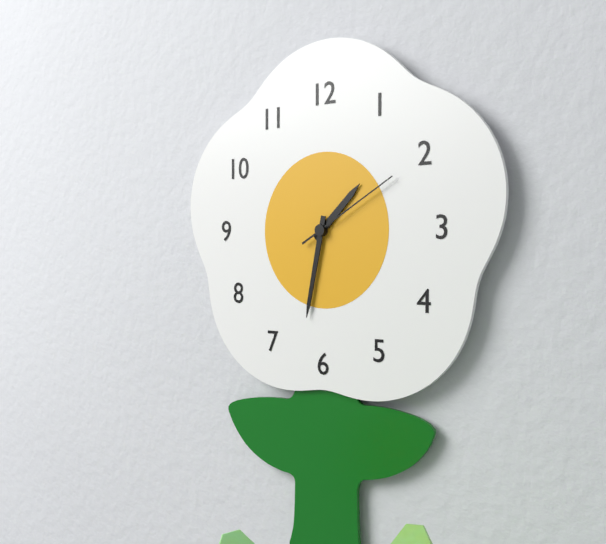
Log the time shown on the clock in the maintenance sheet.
1:32:10
